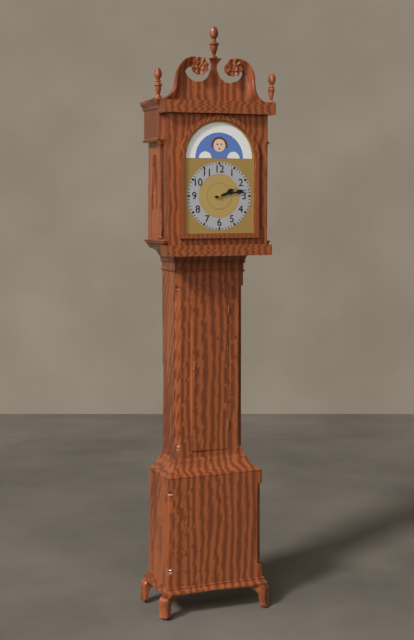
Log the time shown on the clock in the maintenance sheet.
2:13
